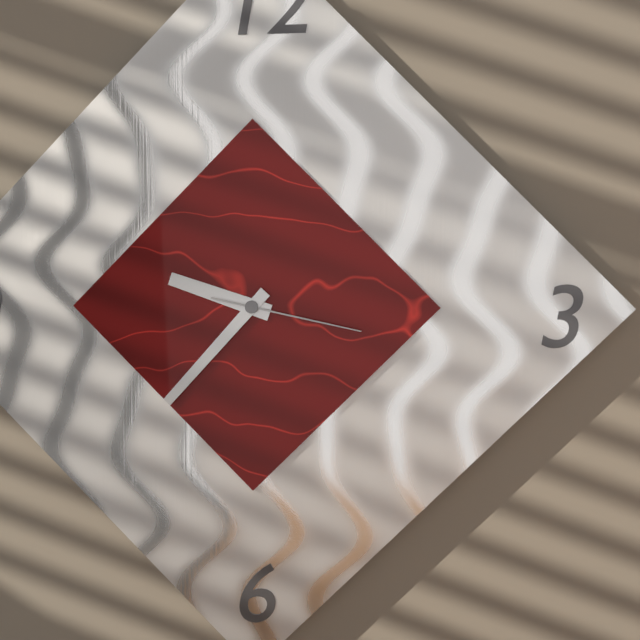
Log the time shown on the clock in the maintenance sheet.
9:37:17
